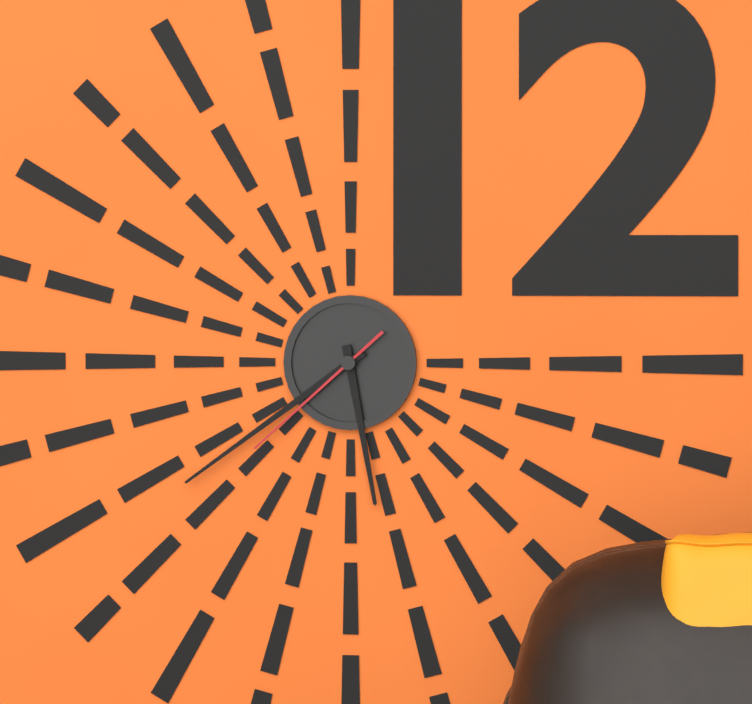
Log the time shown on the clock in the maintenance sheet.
5:39:38
